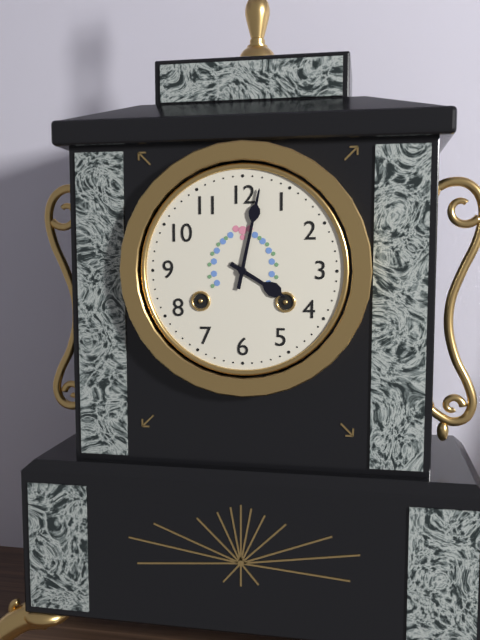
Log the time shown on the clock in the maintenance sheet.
4:02
